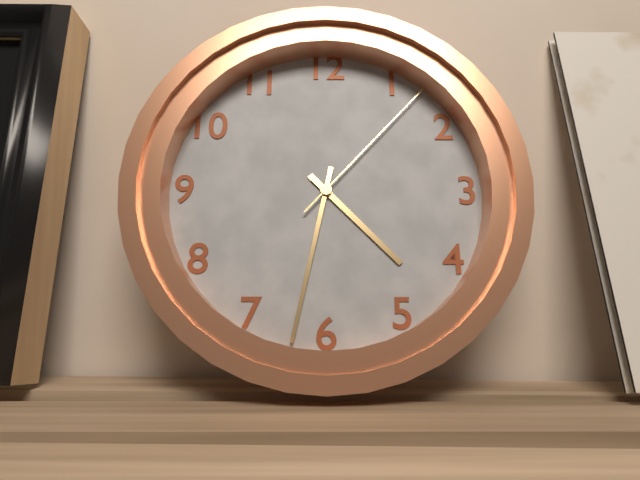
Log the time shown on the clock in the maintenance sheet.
4:32:07
